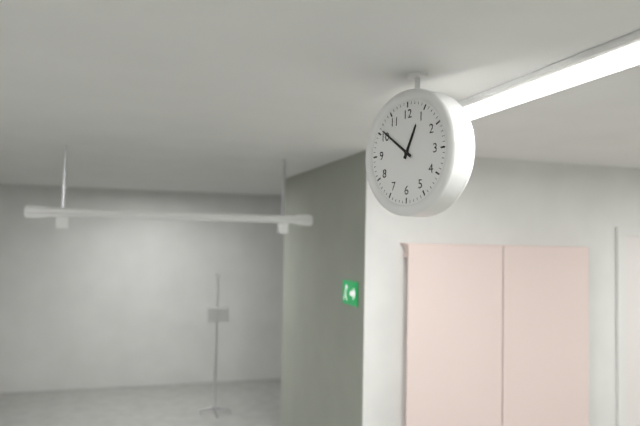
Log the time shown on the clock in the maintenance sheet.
12:51
